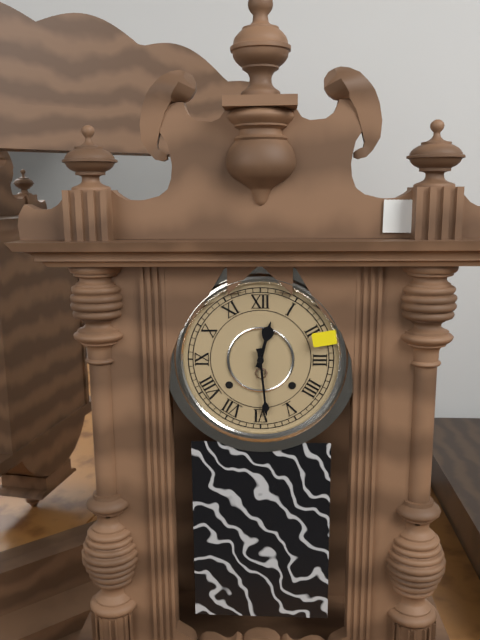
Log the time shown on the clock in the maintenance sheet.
12:29
